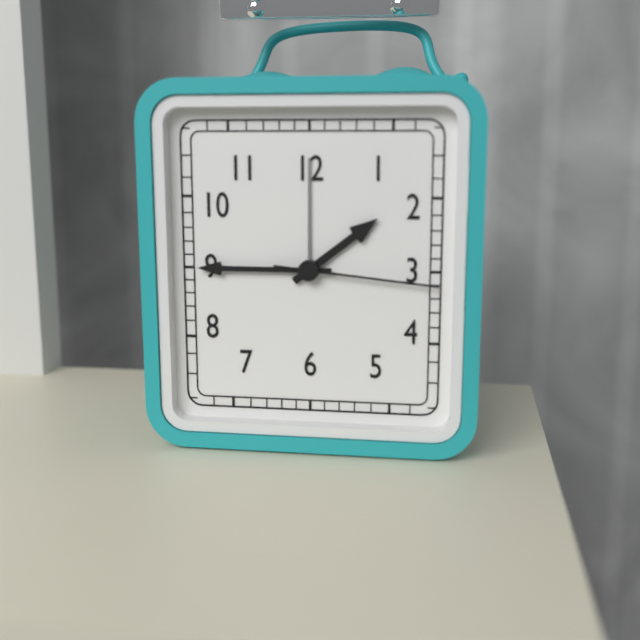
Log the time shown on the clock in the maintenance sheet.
1:45:16
